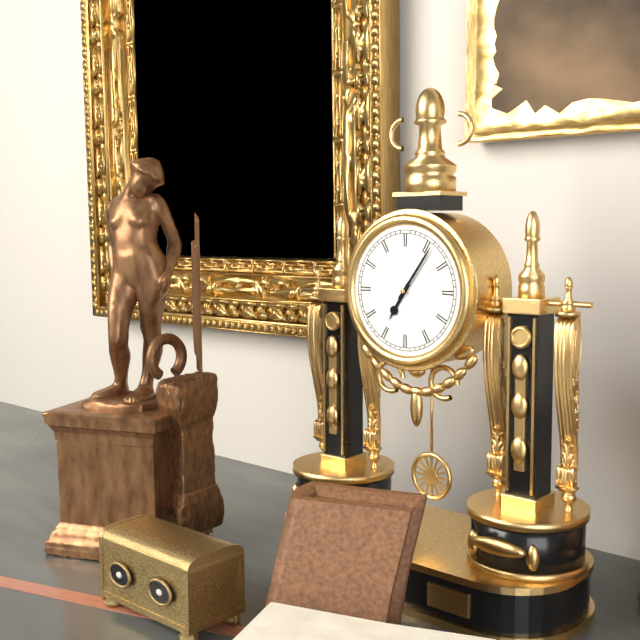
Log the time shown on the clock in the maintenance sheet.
7:06
